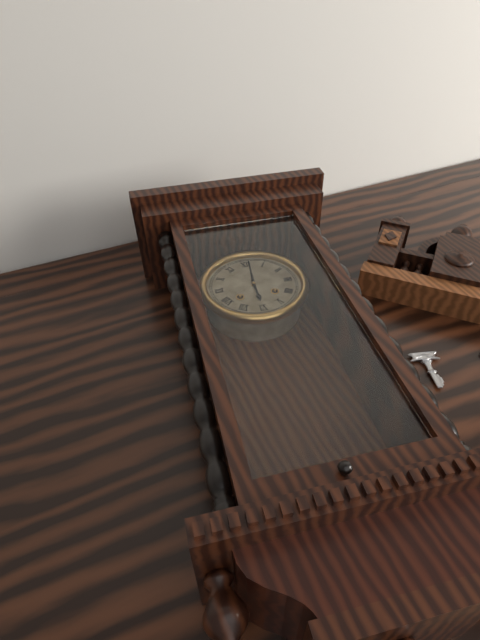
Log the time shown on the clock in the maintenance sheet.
6:01
